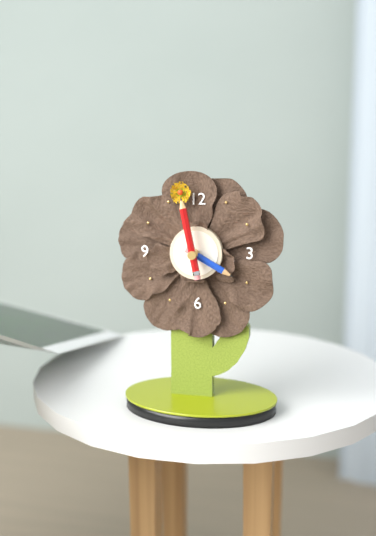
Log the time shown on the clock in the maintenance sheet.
3:58
